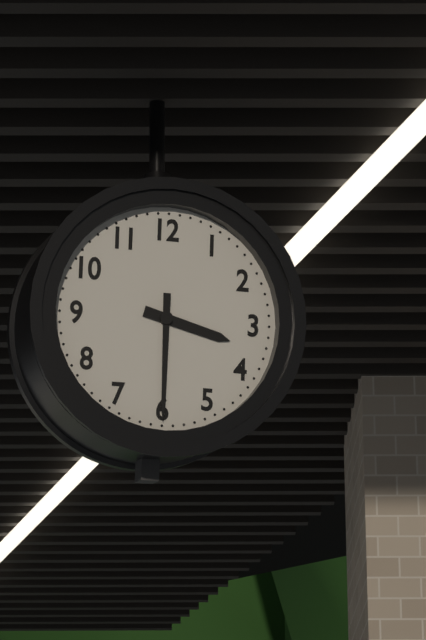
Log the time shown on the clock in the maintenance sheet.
3:30
